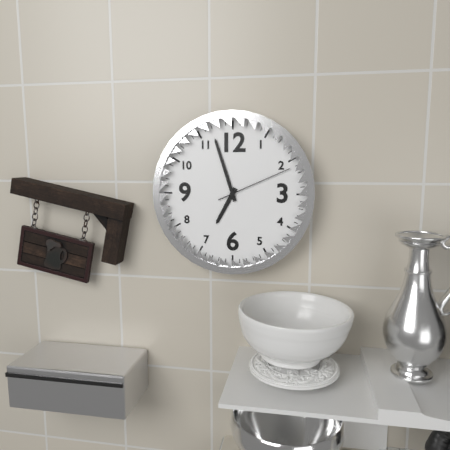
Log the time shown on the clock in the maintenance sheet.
6:57:11
